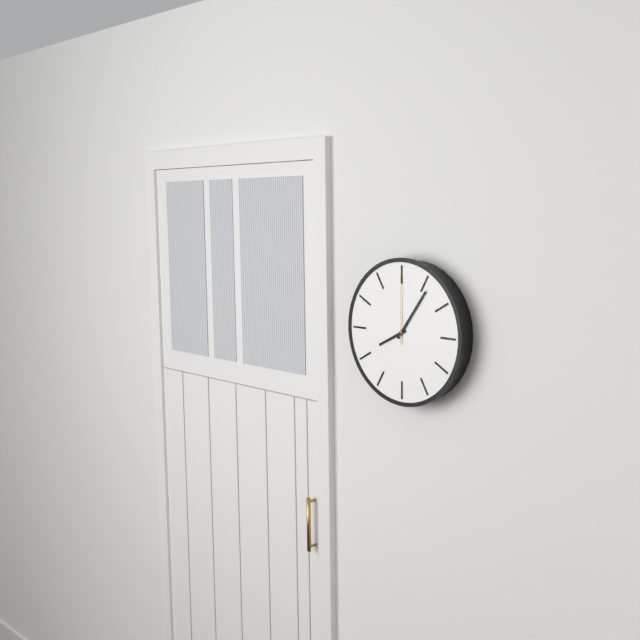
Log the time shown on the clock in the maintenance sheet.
8:06:00
